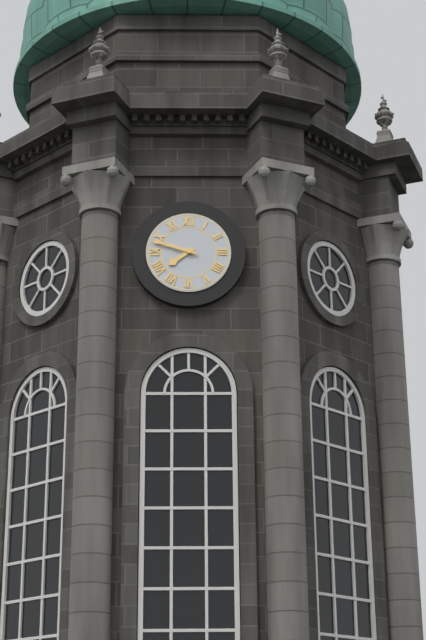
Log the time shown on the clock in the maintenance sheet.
7:48
